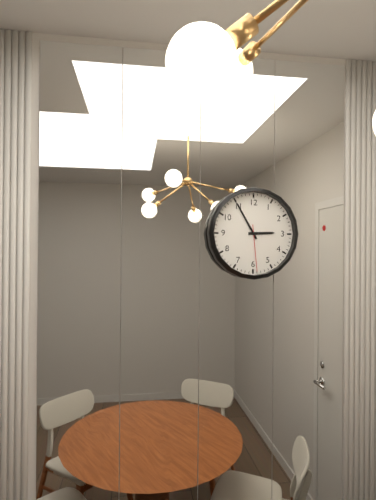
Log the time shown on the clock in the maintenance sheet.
2:55
